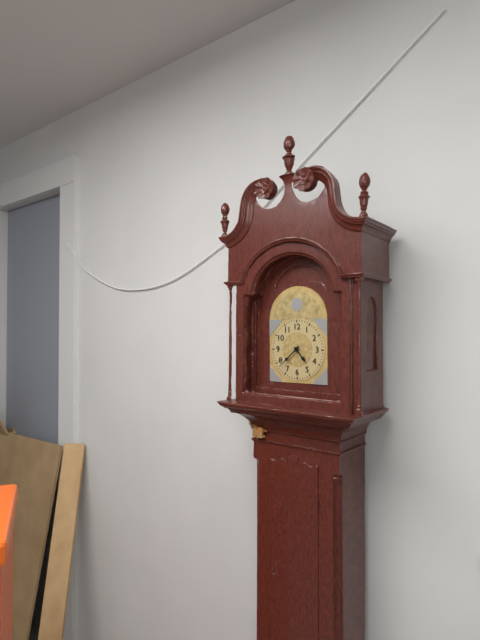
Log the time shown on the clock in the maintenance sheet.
4:38
